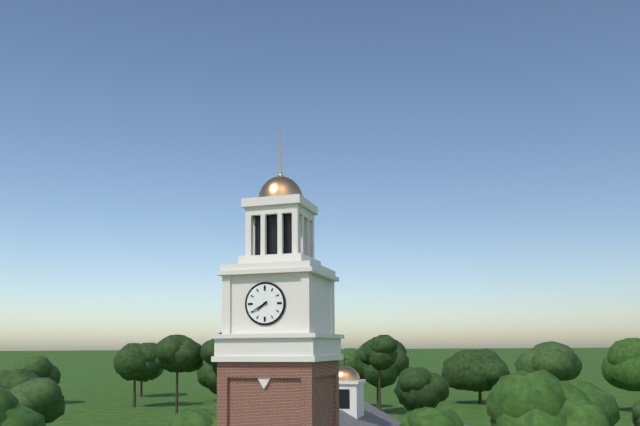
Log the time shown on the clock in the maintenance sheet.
7:40
